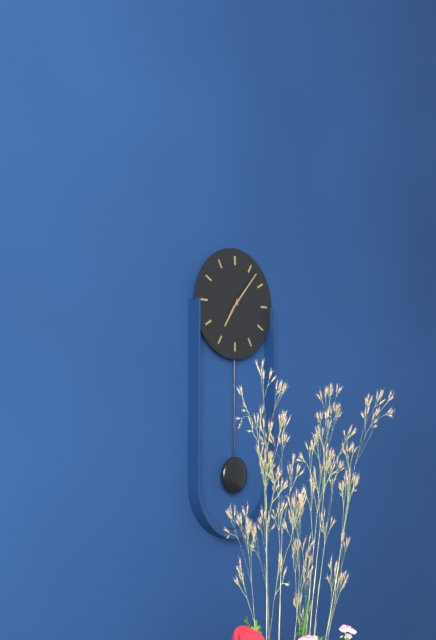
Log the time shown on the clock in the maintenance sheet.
7:07
